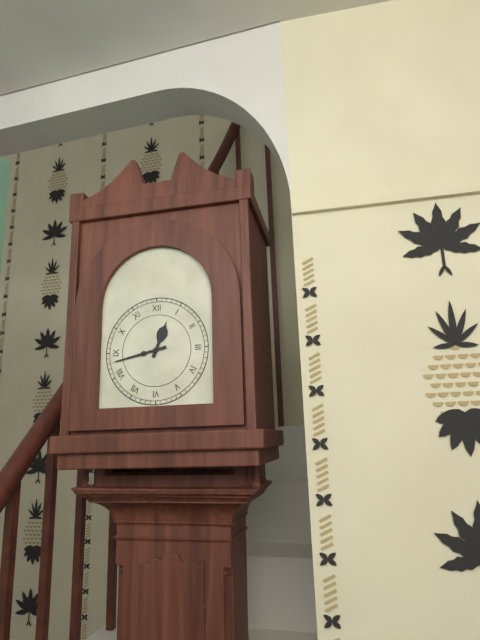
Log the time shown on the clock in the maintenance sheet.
12:43
